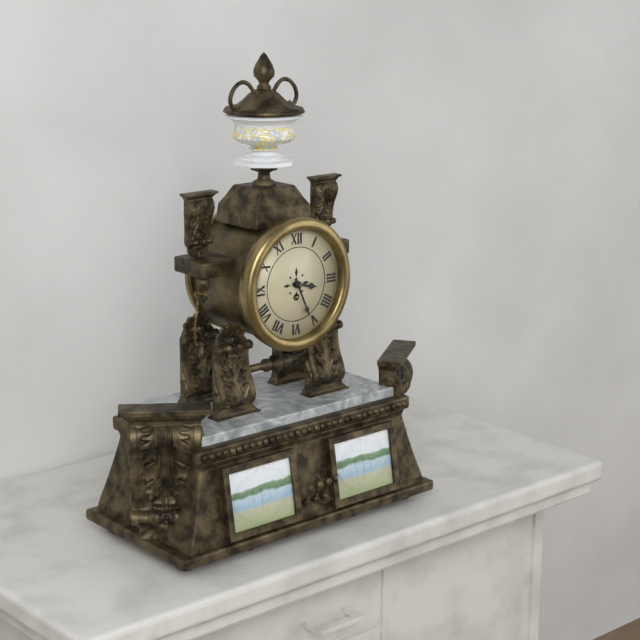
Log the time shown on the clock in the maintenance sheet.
3:26
